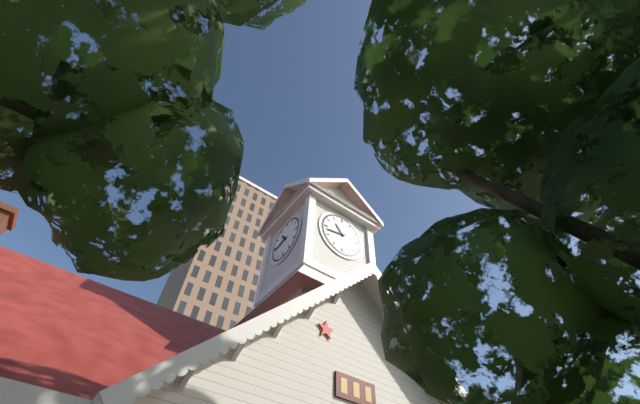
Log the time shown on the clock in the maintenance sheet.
10:43
